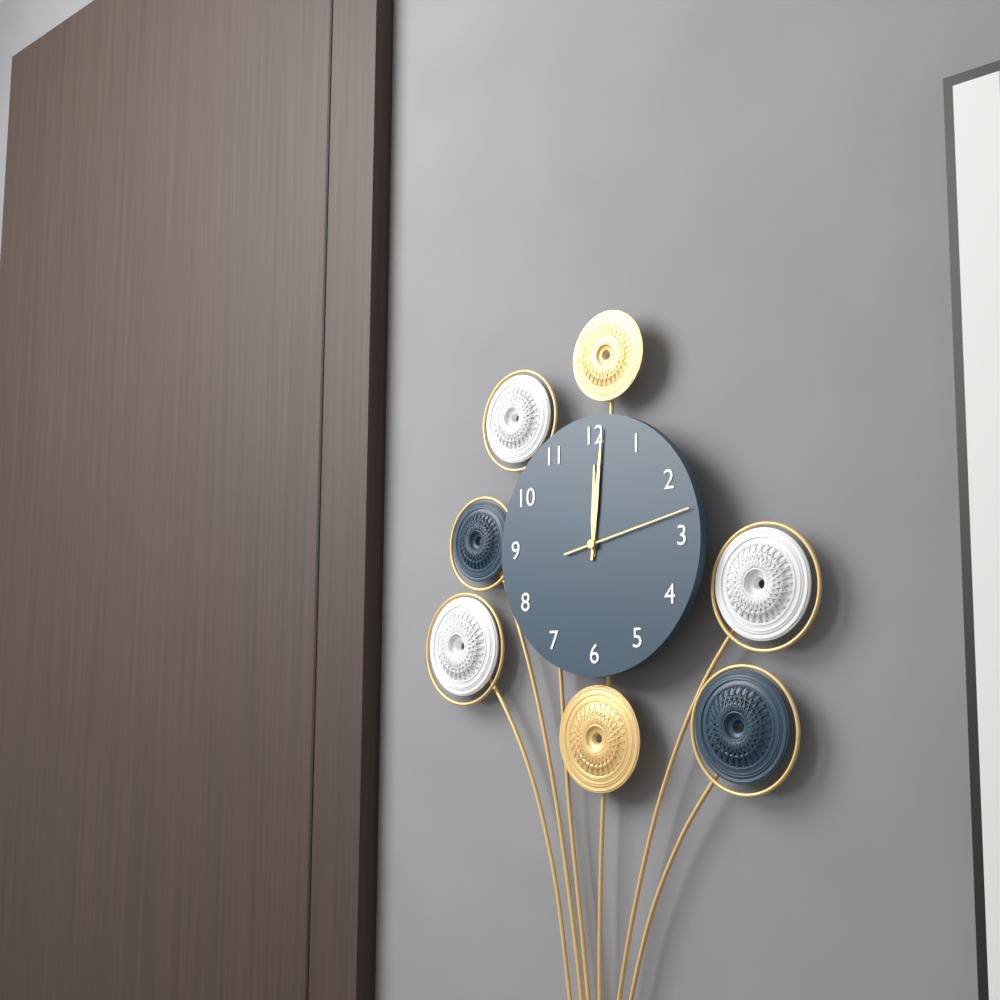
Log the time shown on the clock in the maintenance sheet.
12:01:13
